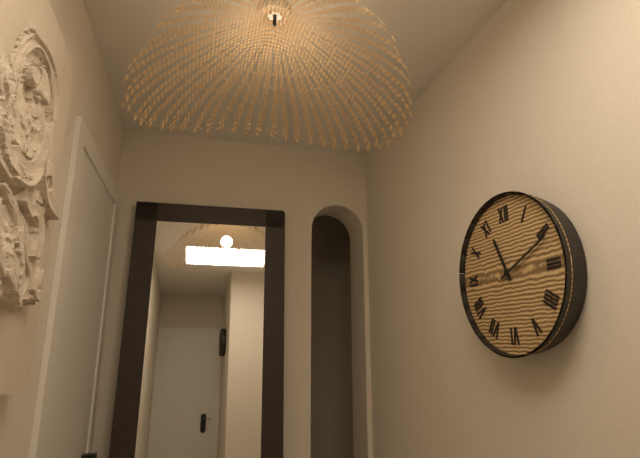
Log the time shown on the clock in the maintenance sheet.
11:11
